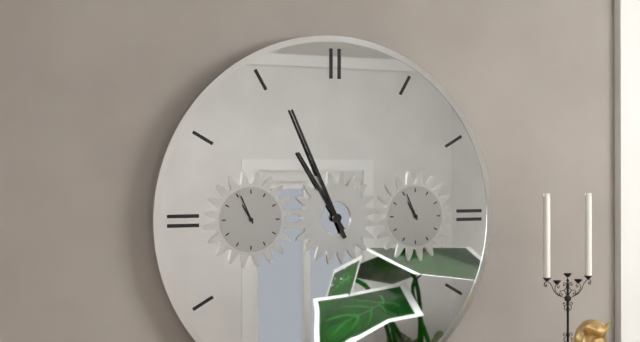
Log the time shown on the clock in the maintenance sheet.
10:56
